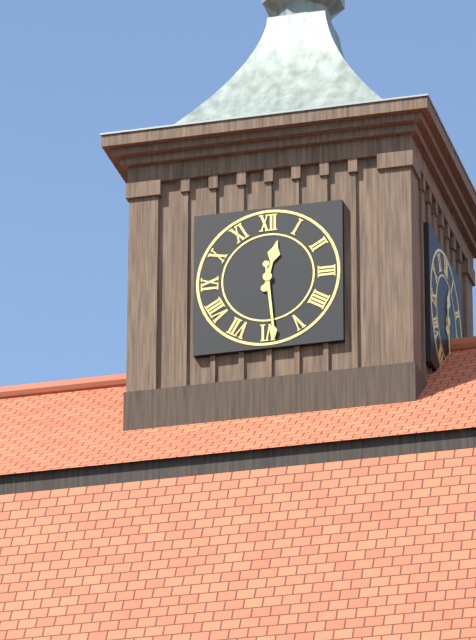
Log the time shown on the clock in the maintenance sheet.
12:29
